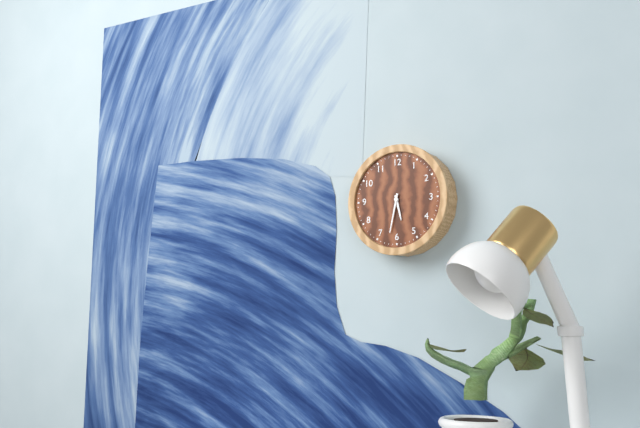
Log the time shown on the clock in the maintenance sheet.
5:32
